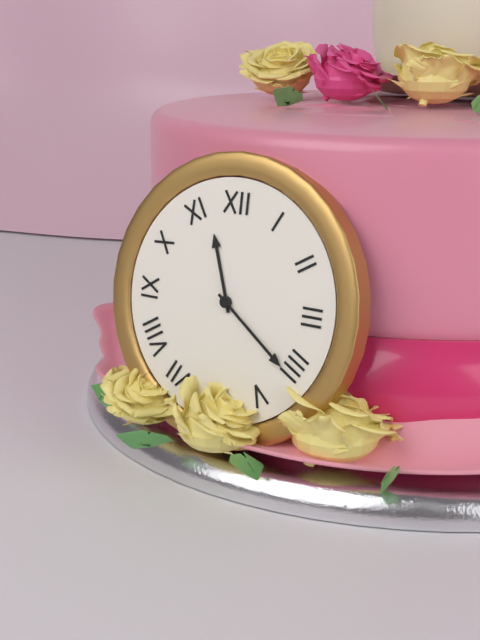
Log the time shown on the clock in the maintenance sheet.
11:21
